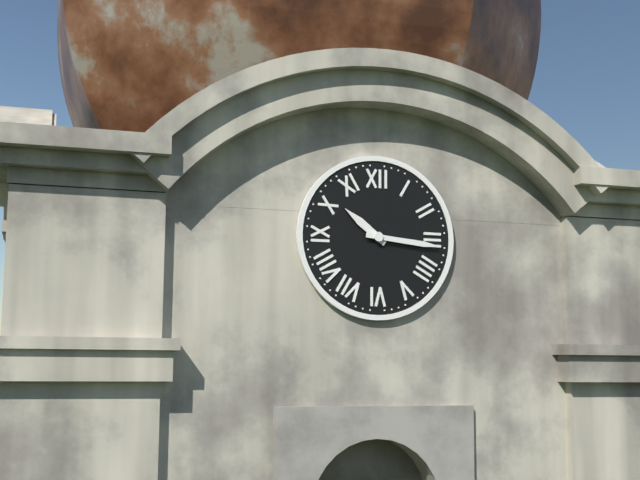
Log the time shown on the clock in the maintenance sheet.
10:16
